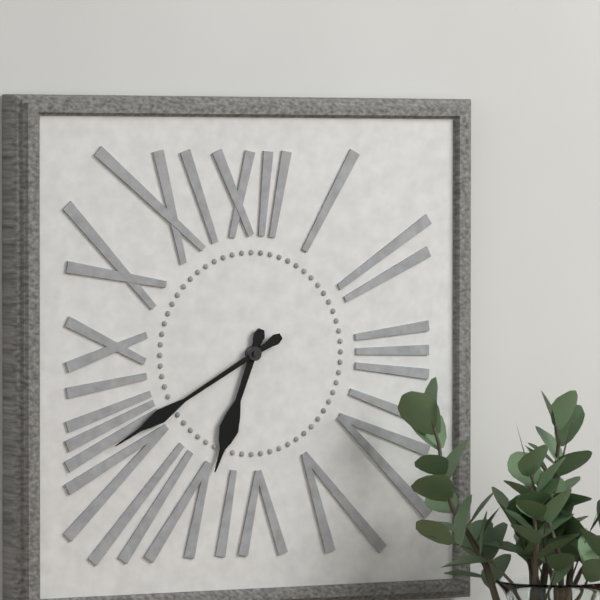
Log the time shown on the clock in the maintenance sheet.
6:40
